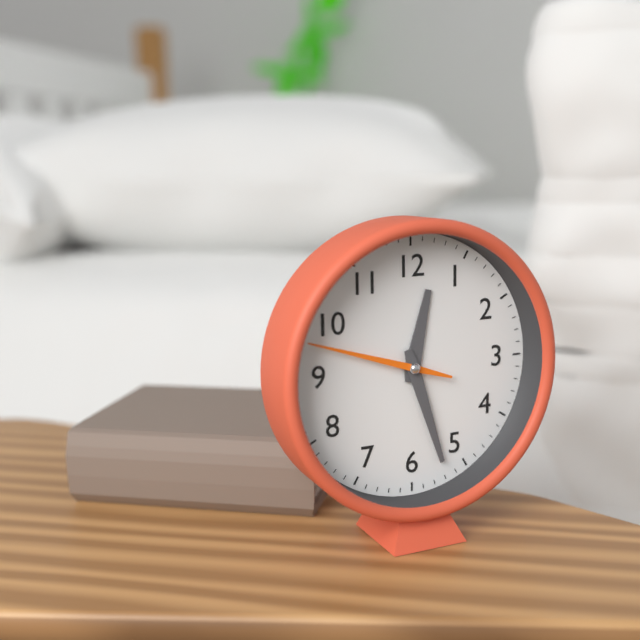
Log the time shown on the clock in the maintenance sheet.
12:27:48
